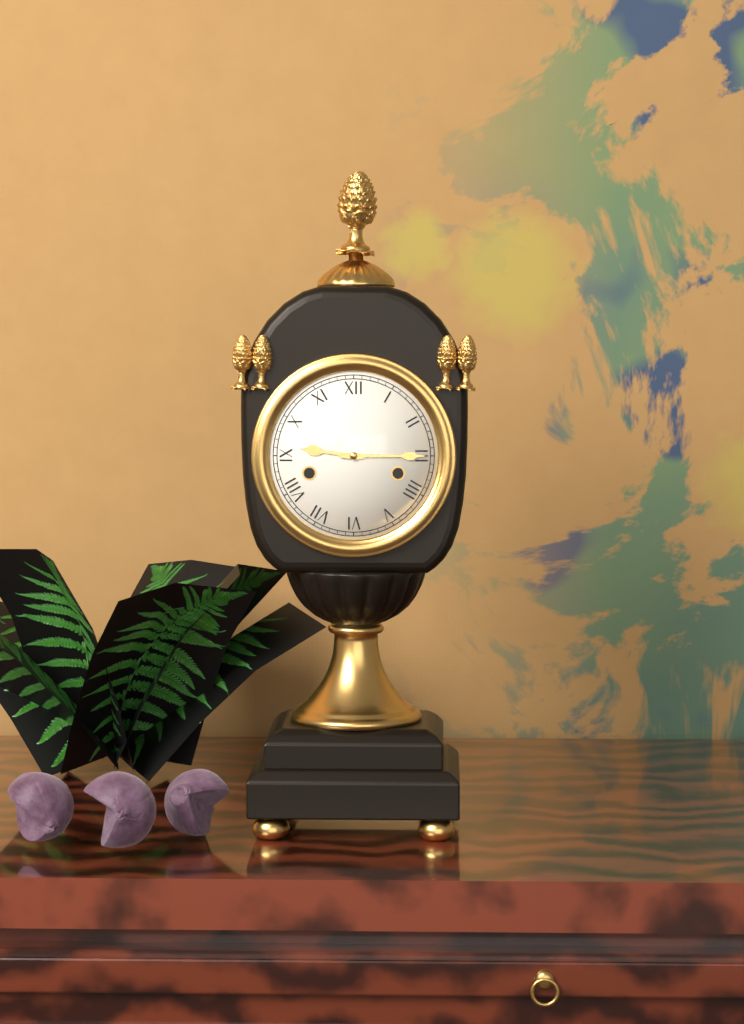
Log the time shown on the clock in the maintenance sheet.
9:15
